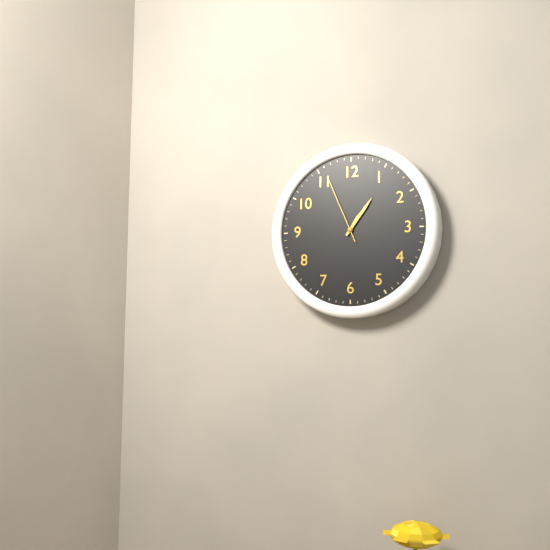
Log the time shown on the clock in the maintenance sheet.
1:06:56
